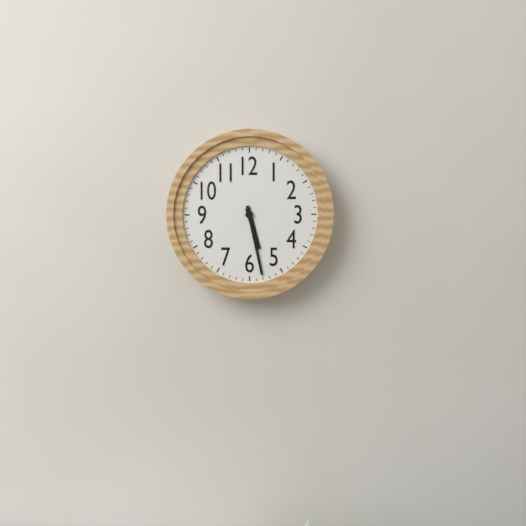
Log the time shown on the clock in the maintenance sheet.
5:28
